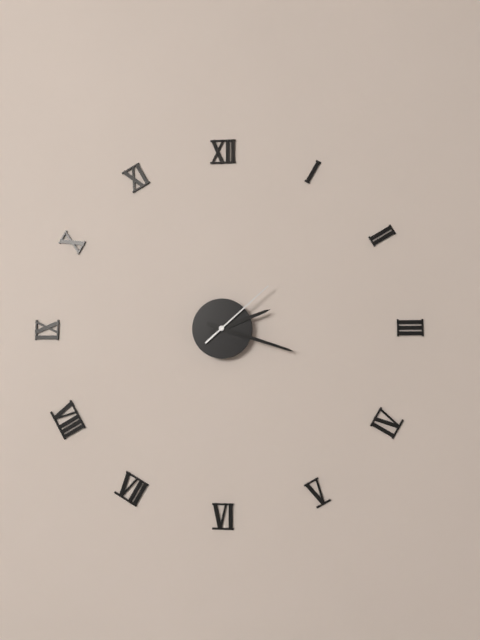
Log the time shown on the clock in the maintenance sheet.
2:18:08
